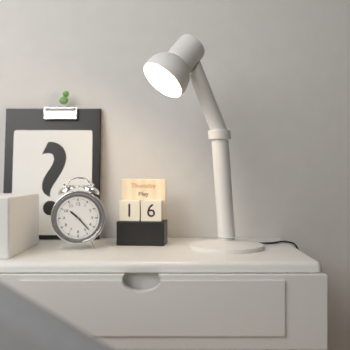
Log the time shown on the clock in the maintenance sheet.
10:23
